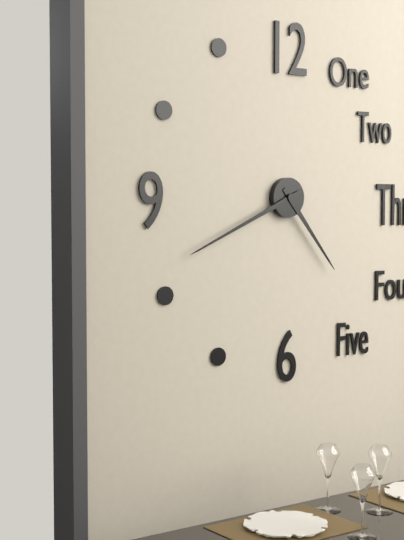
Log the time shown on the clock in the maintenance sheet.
4:41
